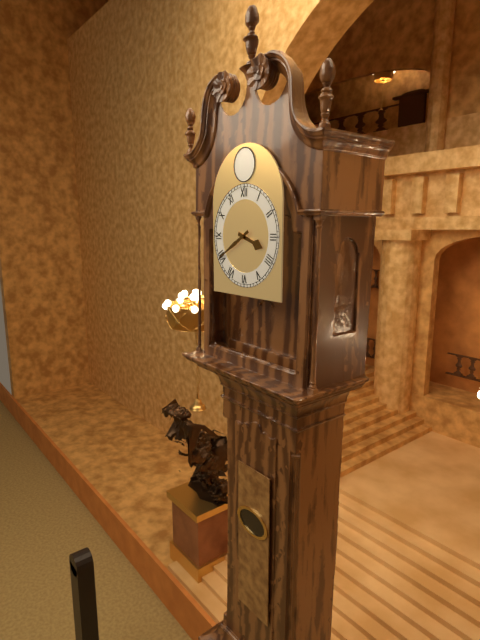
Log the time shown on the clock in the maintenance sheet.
3:40
